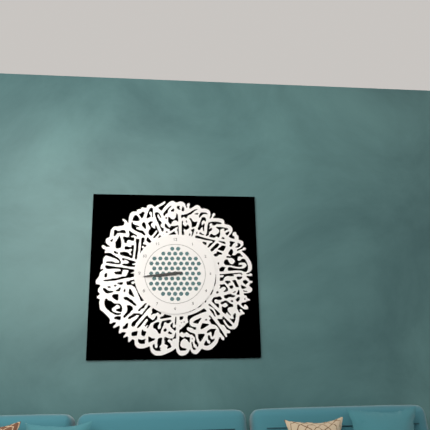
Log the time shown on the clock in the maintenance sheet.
8:44
